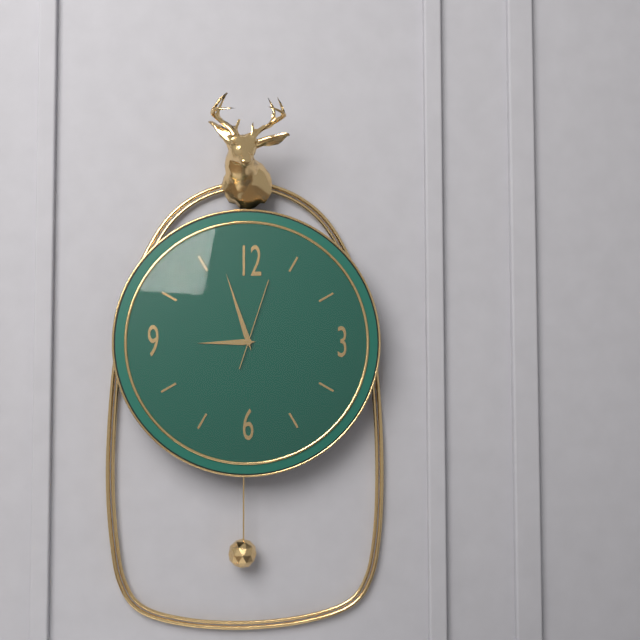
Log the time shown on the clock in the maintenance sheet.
8:57:03
